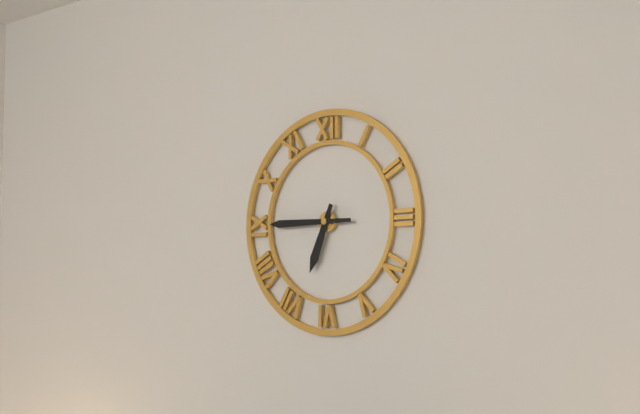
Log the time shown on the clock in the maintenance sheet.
6:45
